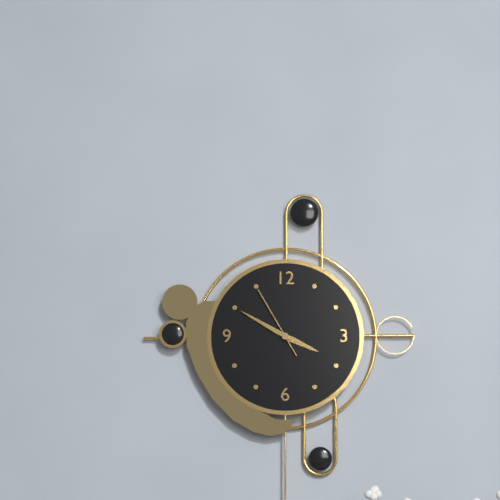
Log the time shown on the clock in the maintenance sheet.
3:50:55
